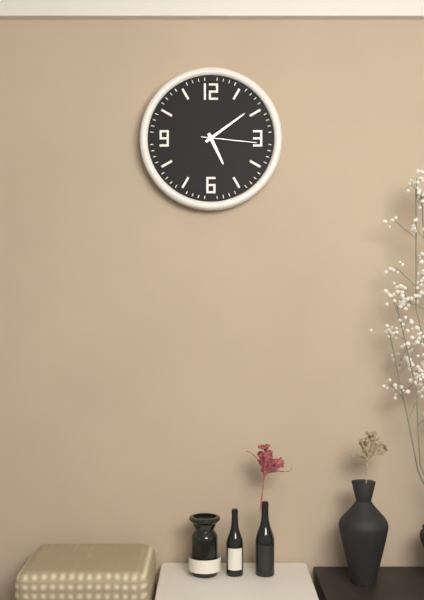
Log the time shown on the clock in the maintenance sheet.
5:09:16
